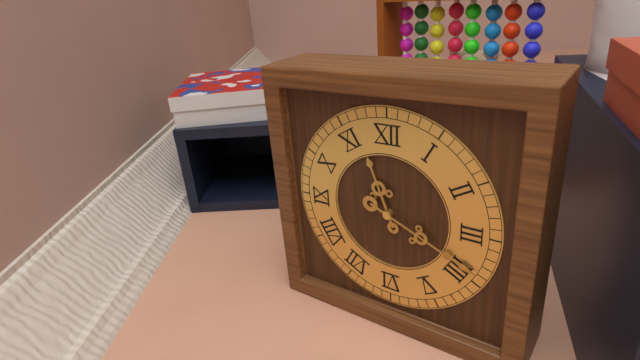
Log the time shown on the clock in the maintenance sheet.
11:19
